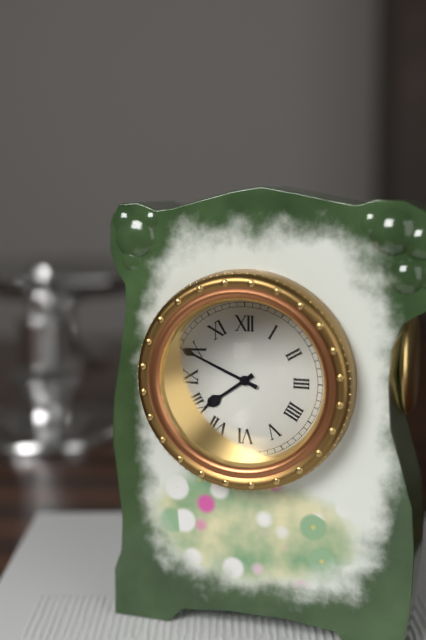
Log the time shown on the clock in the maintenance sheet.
7:49
